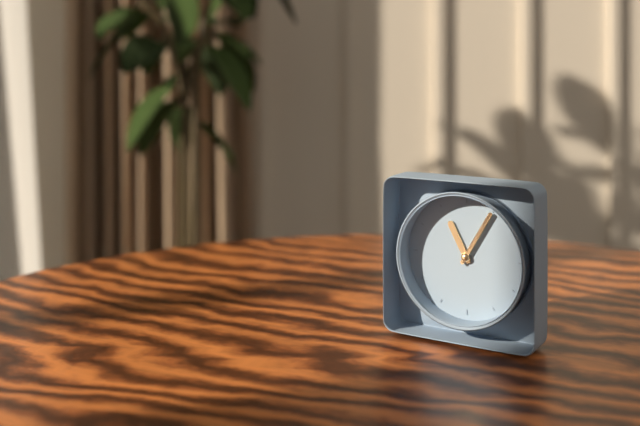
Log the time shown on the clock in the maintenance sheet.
11:05
